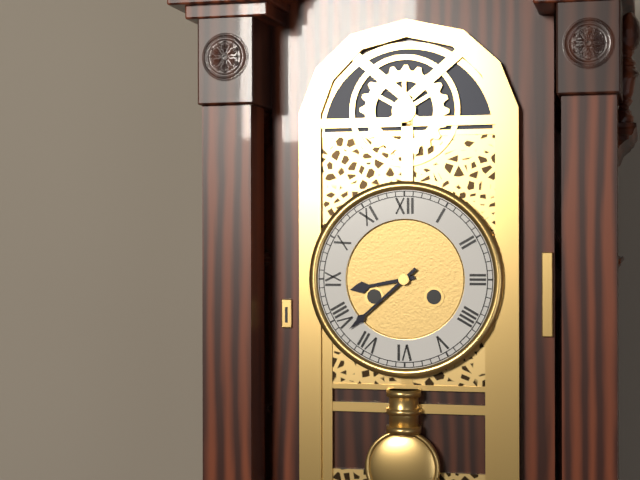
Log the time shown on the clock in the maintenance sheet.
8:38
